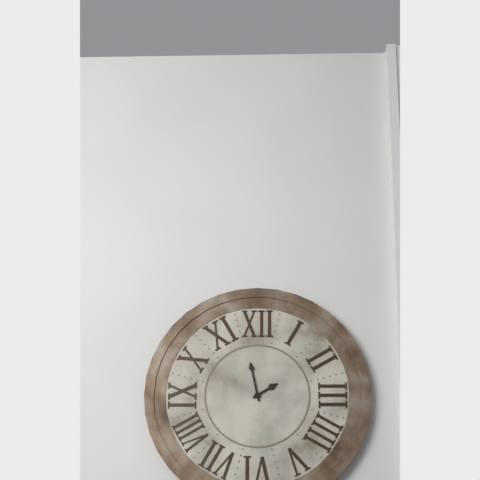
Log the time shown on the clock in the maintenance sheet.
1:58
